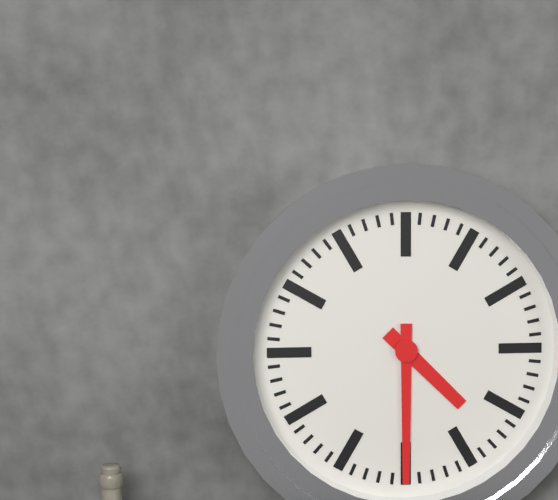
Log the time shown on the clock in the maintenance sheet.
4:30
